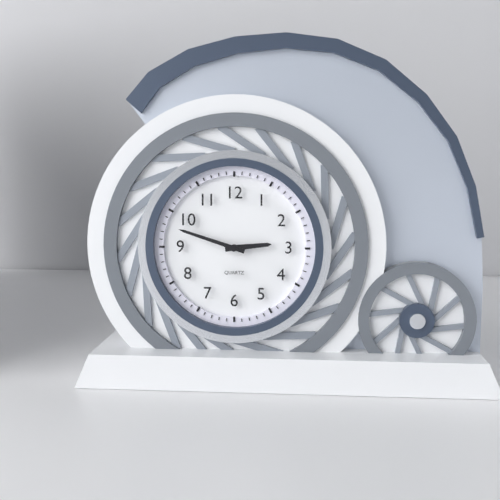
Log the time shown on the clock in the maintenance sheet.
2:48
